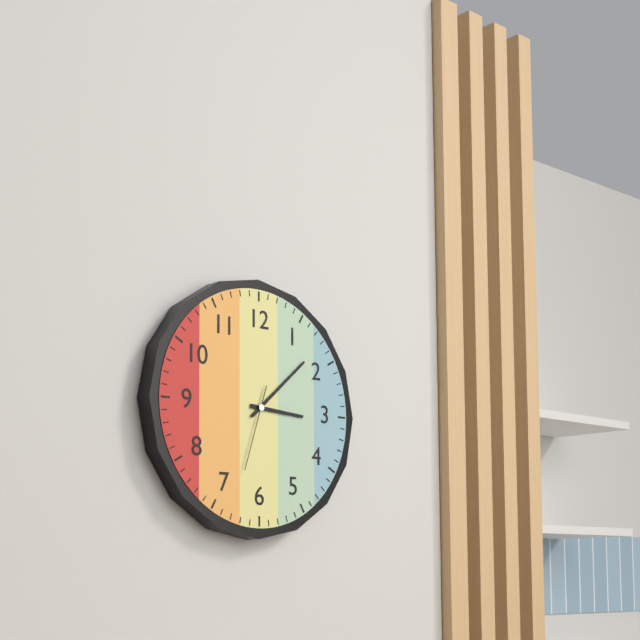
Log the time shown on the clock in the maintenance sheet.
3:08:33
